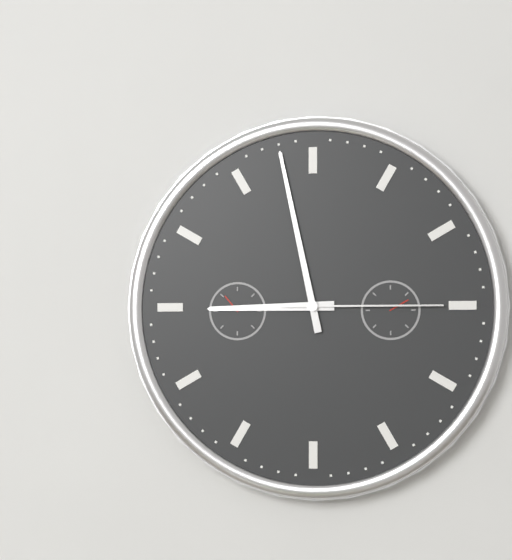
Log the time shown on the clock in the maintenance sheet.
8:58:15
